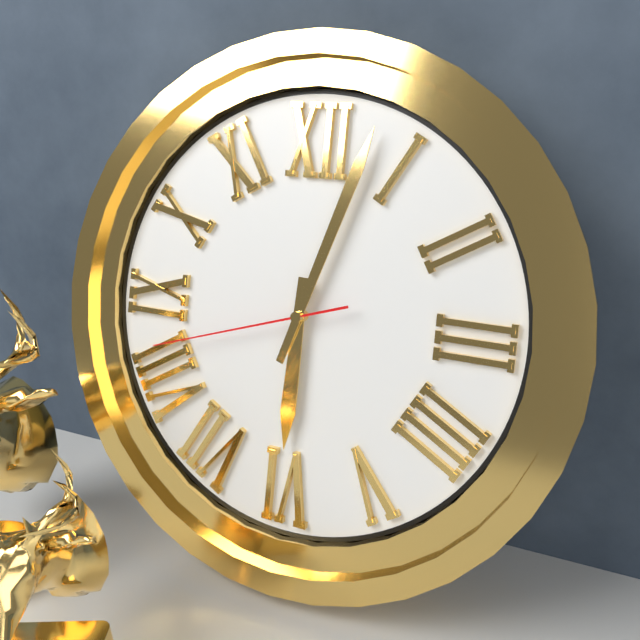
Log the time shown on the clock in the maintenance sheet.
6:03:42
